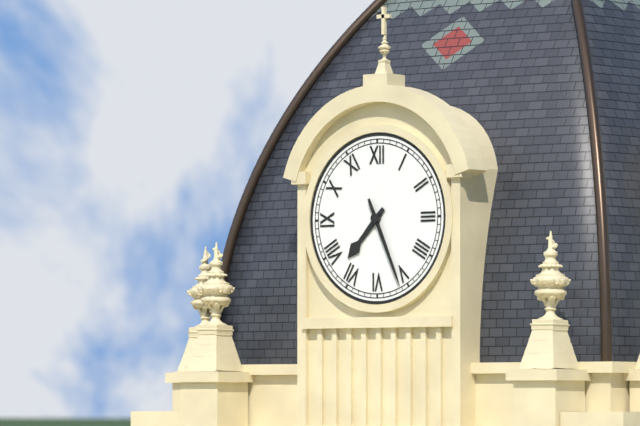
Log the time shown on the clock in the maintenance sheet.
7:26
